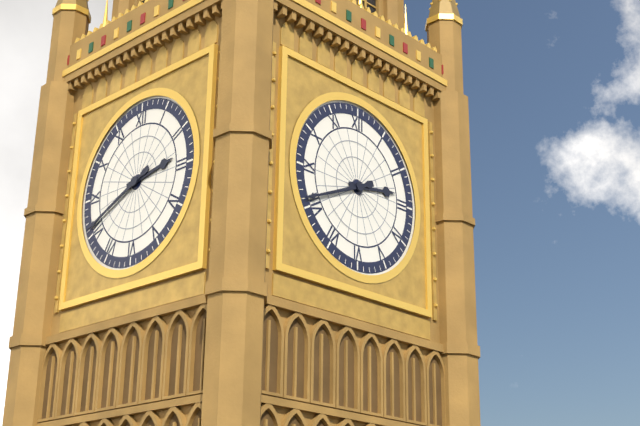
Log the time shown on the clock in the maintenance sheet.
2:41
